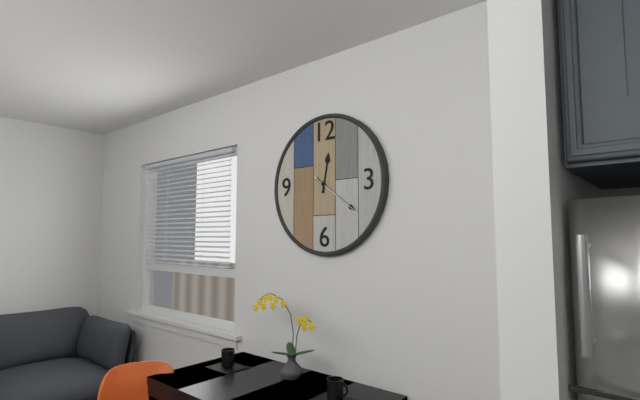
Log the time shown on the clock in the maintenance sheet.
12:21:21
